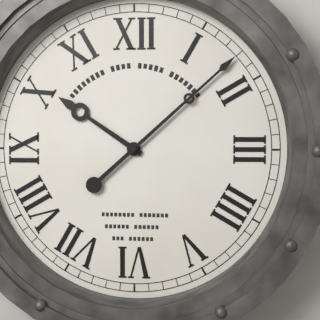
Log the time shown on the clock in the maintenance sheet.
10:08
